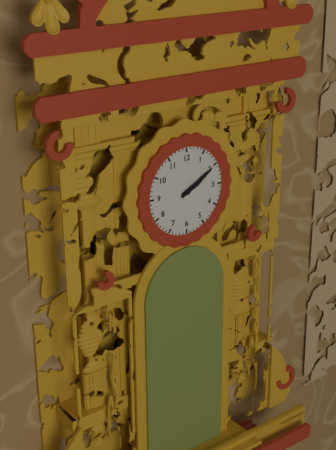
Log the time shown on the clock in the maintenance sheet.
2:10
